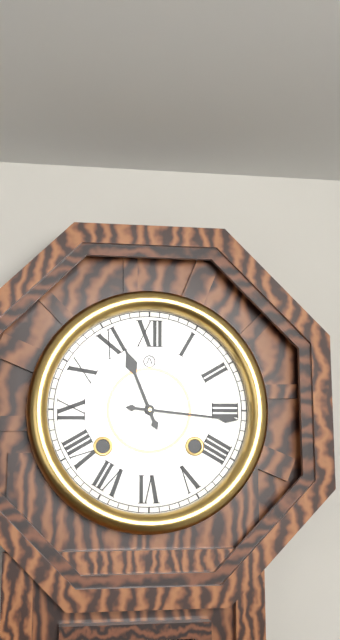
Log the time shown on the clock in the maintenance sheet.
11:16
